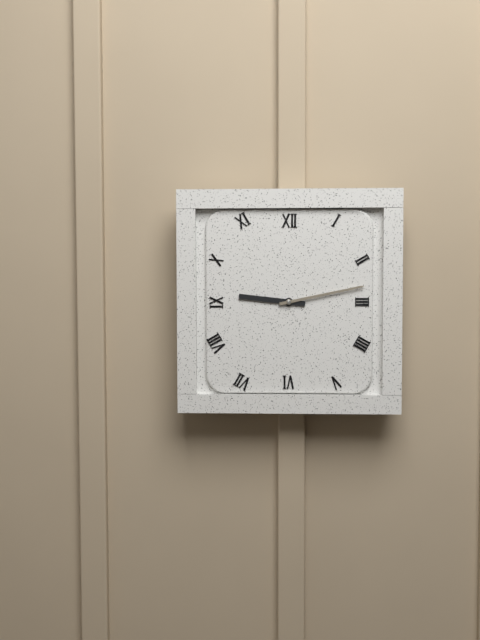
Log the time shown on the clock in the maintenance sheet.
9:13
